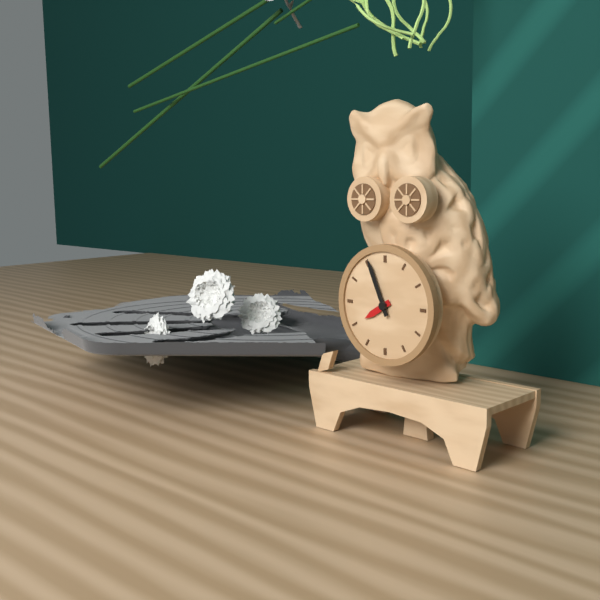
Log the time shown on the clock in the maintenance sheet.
7:56
